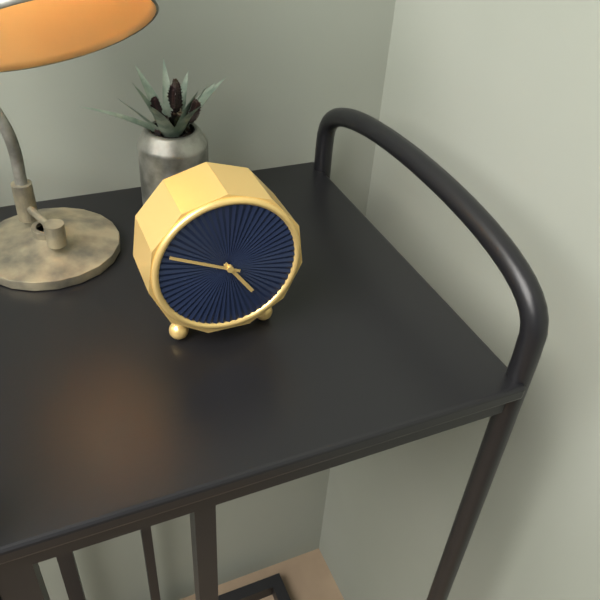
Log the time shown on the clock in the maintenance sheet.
4:49
